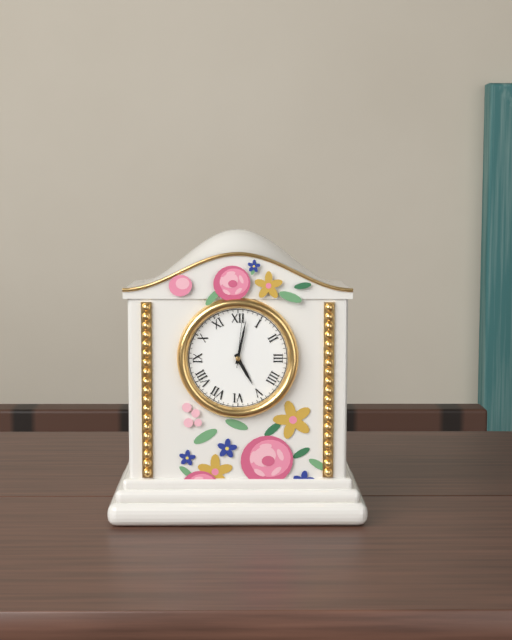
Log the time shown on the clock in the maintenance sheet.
5:02:01
